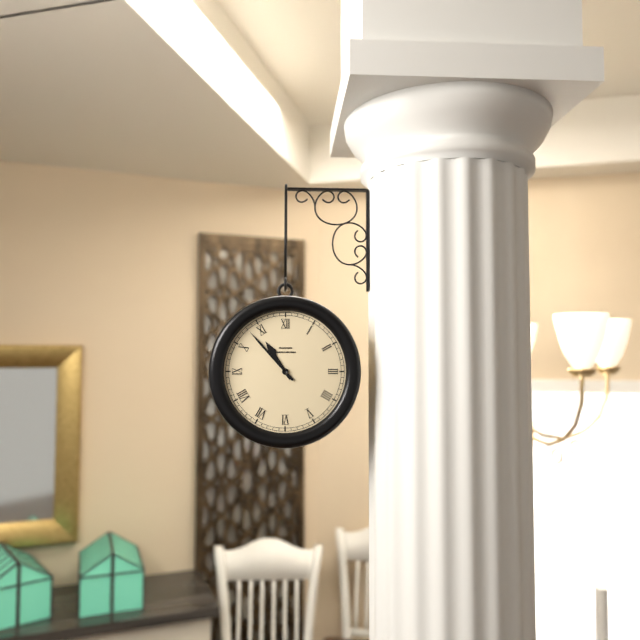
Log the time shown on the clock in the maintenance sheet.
10:53
